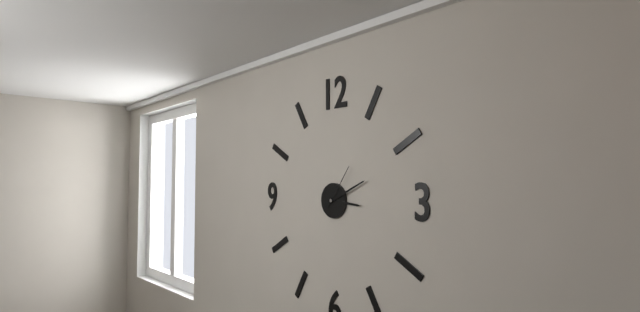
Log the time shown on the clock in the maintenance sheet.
3:11
